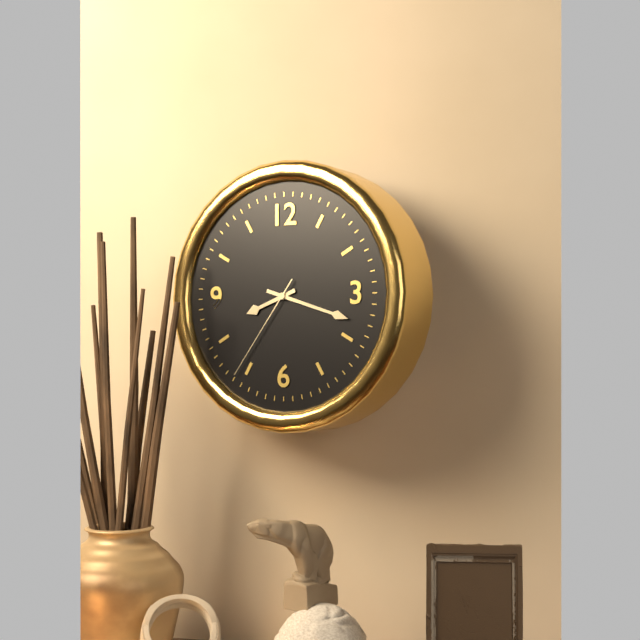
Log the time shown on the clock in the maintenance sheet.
8:18:36
